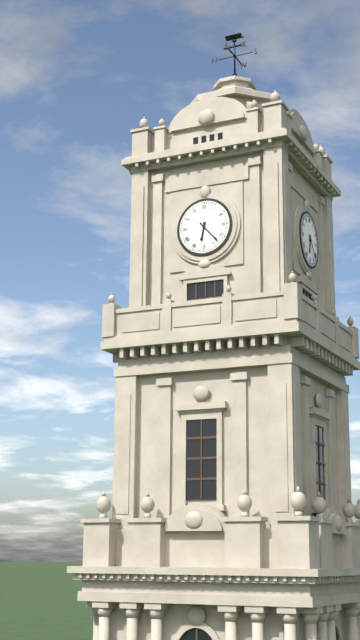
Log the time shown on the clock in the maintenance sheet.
6:23
